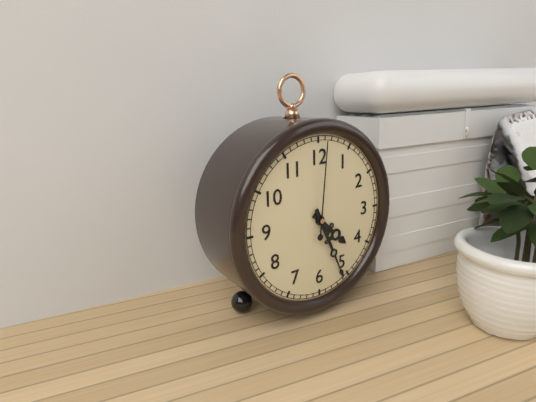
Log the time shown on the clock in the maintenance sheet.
4:26:01
